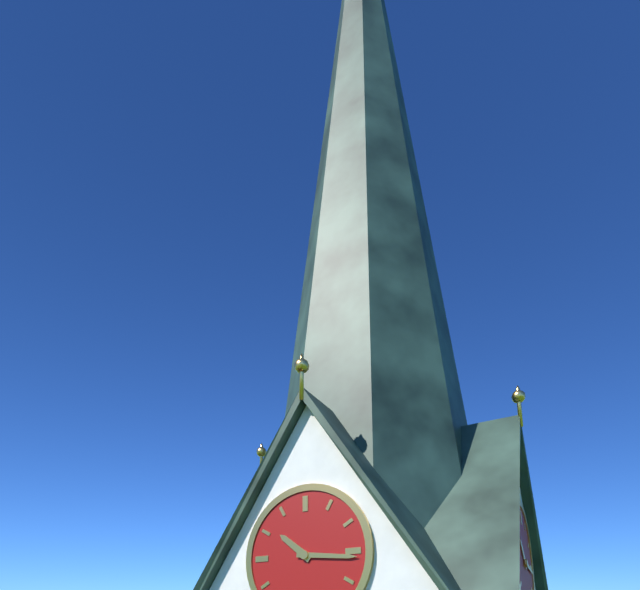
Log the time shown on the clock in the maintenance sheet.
10:16
